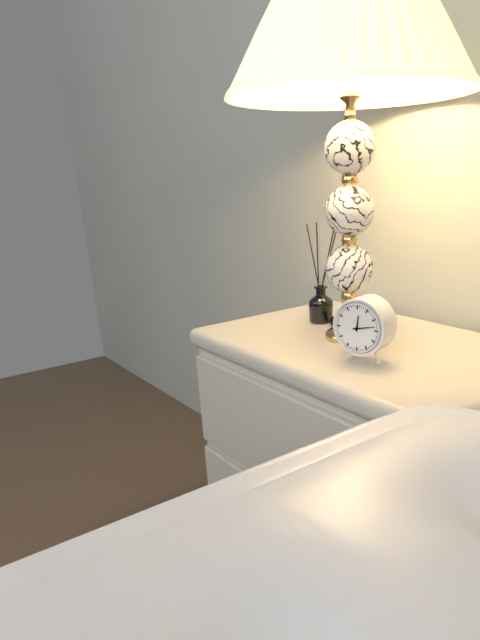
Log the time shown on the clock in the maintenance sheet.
12:13
